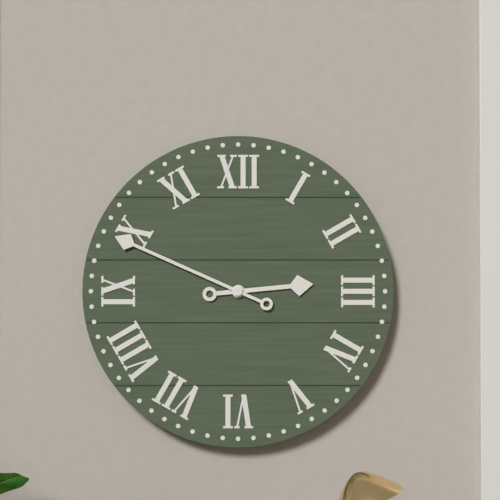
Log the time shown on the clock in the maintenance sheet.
2:49
